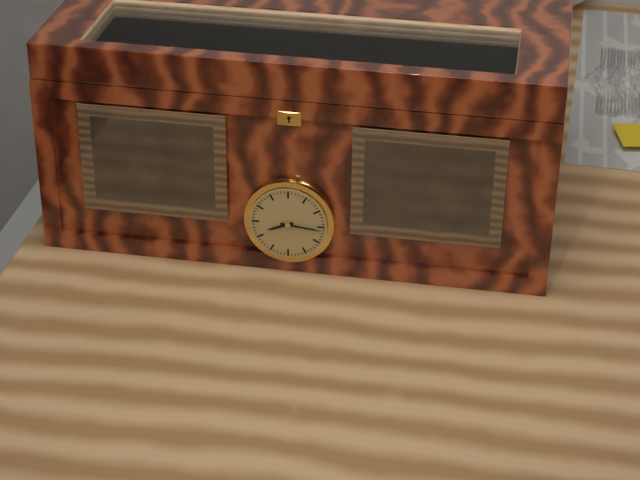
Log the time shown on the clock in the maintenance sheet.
8:16
